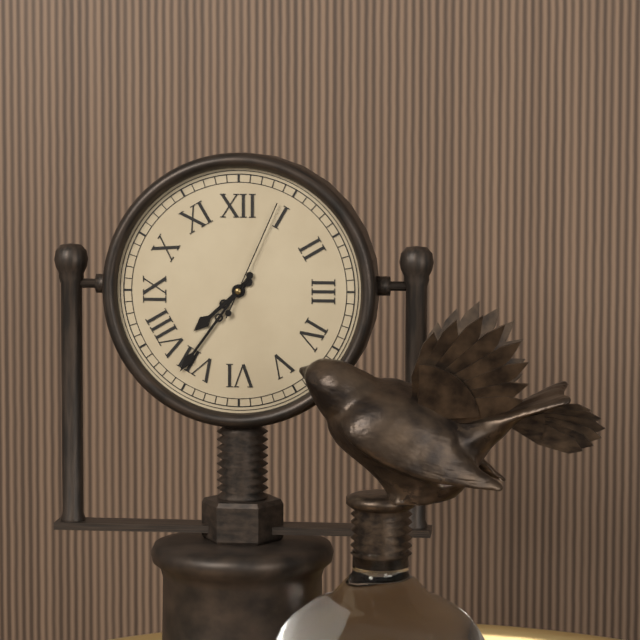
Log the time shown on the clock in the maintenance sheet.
7:36:04
